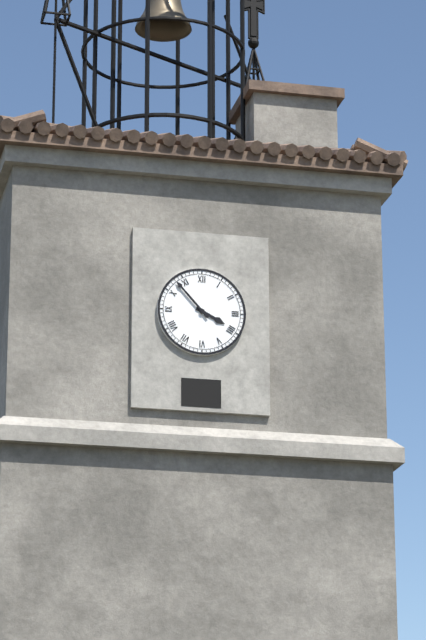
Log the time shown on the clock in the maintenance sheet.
3:53
